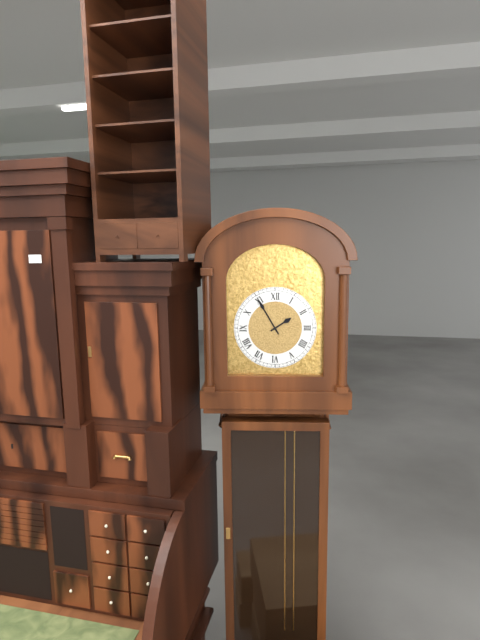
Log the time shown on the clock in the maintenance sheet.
1:55
